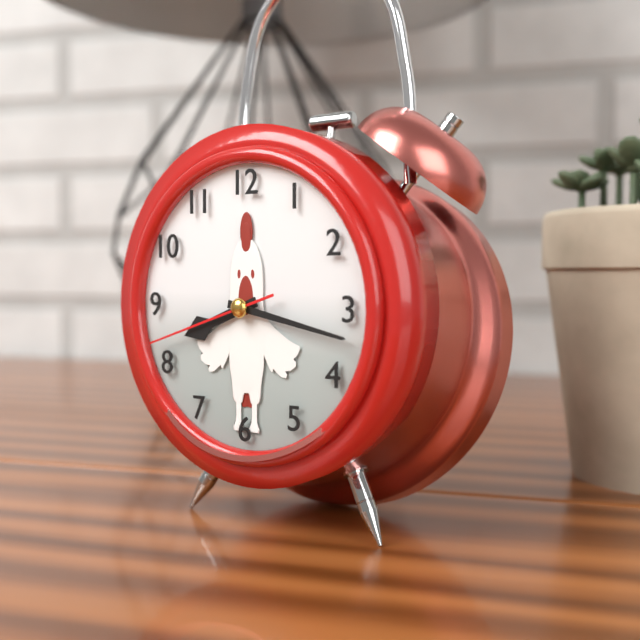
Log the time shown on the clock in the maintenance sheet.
8:17:42
